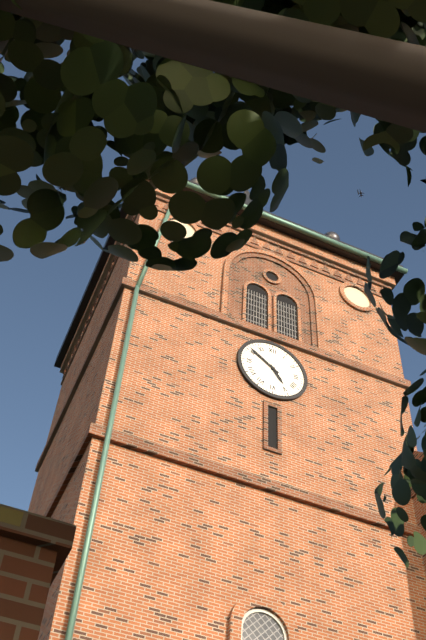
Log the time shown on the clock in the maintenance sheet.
4:51
